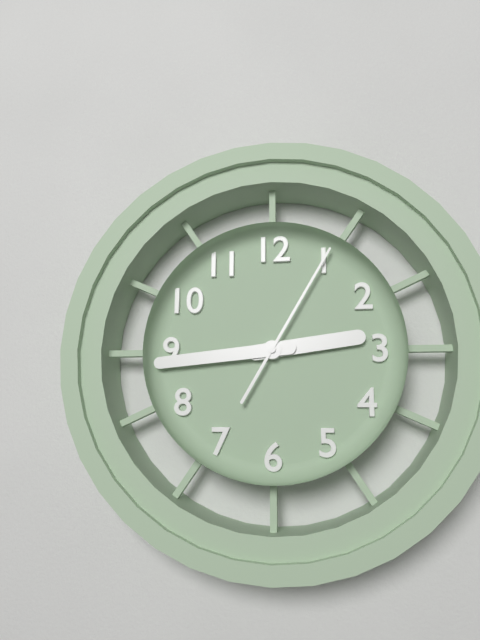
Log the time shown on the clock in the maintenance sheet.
2:44:05
